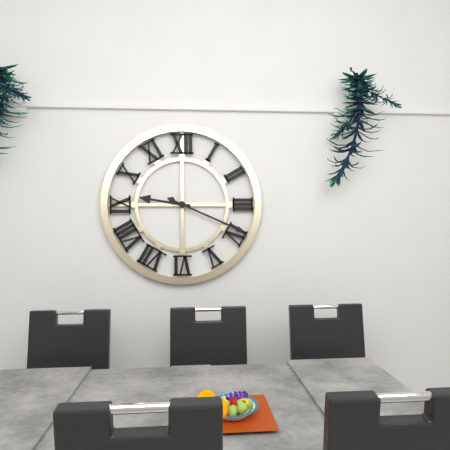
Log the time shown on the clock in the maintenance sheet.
9:19
